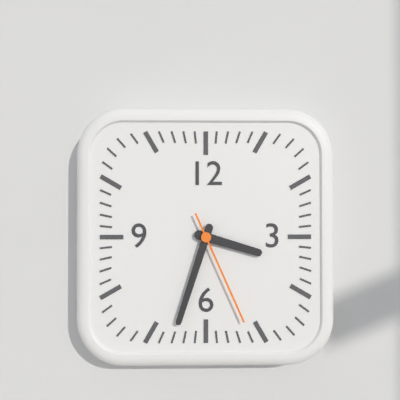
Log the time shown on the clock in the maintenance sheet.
3:33:26
